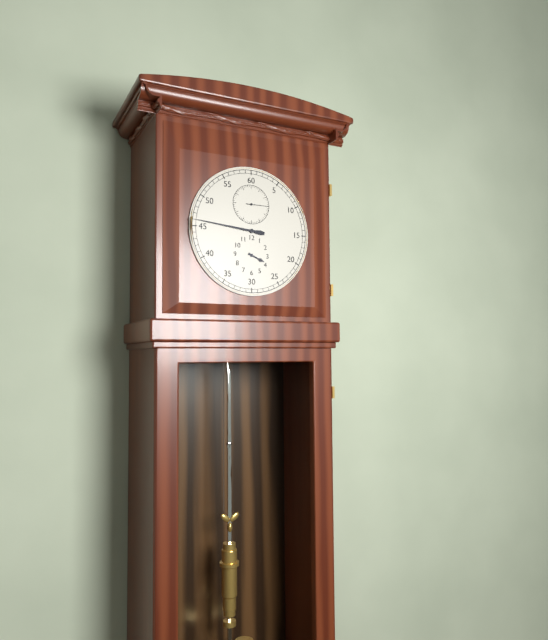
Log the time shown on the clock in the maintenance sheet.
3:46
